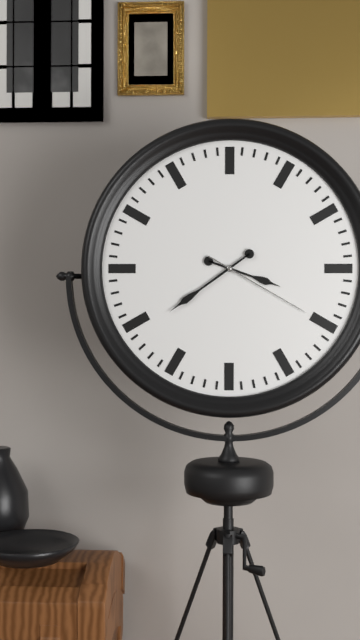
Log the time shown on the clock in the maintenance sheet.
3:39:20
